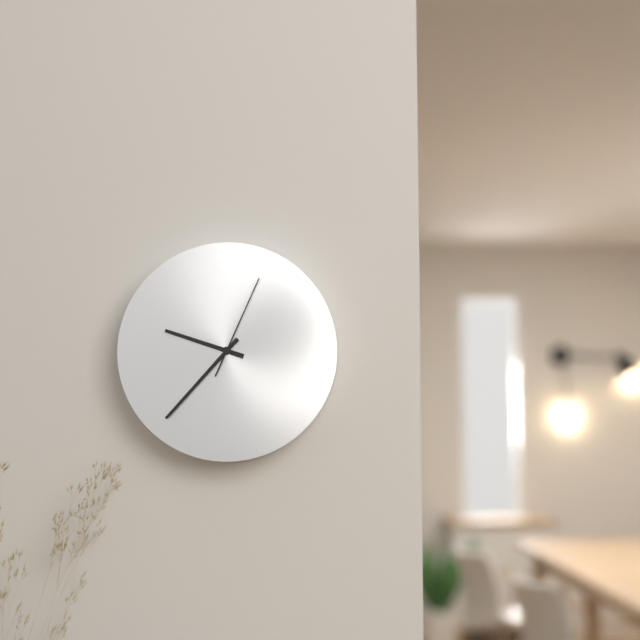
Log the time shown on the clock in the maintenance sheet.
9:37:04
